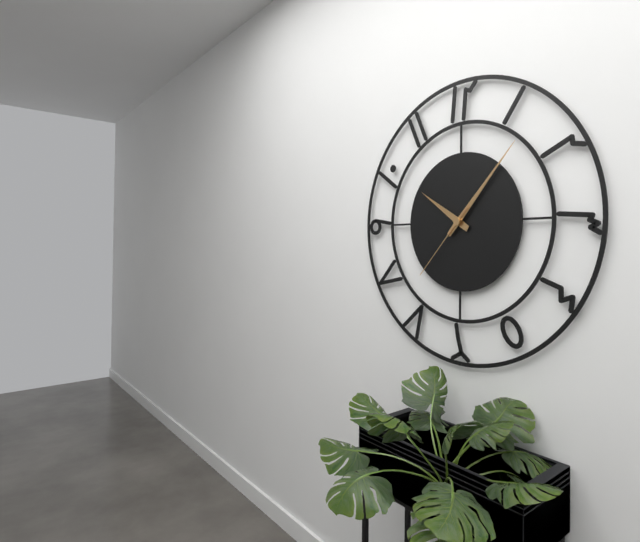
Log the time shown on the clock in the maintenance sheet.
10:07:37
